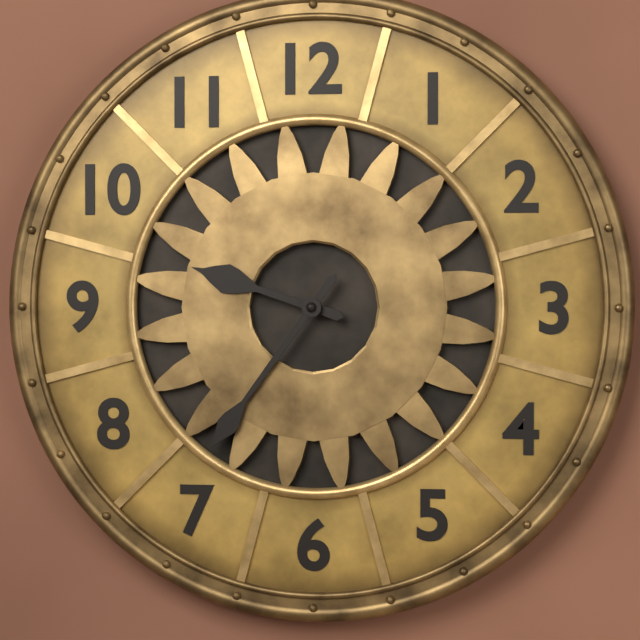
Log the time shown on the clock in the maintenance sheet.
9:36
